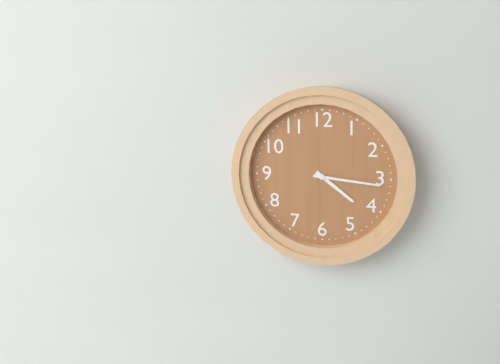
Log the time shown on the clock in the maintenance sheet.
4:16
